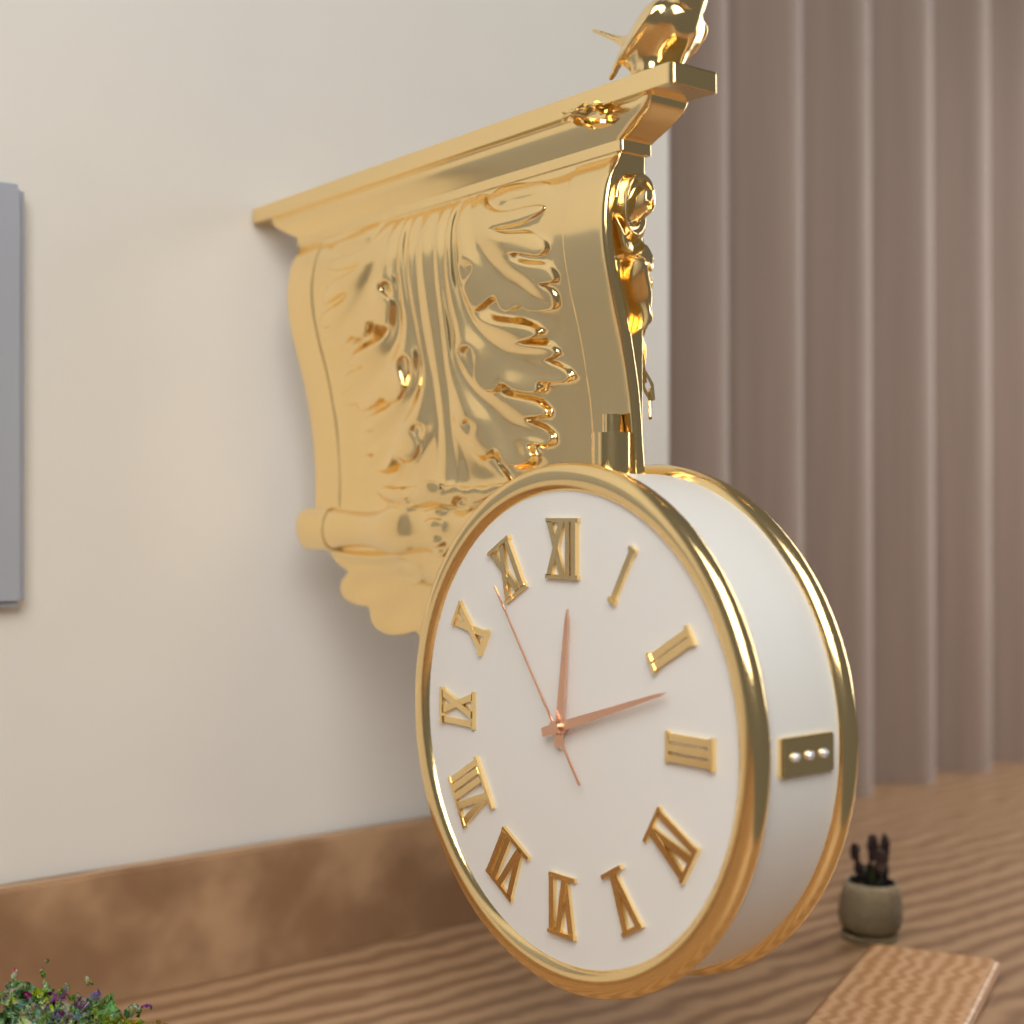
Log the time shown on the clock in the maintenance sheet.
12:12:54
